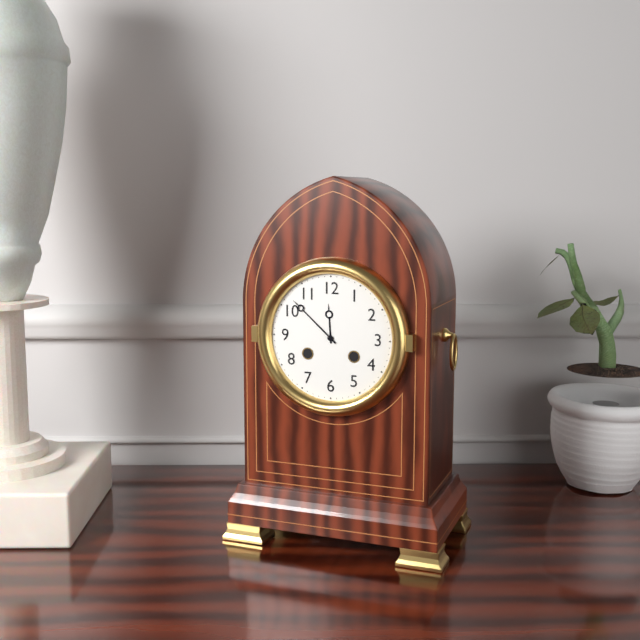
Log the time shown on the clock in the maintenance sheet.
11:52
